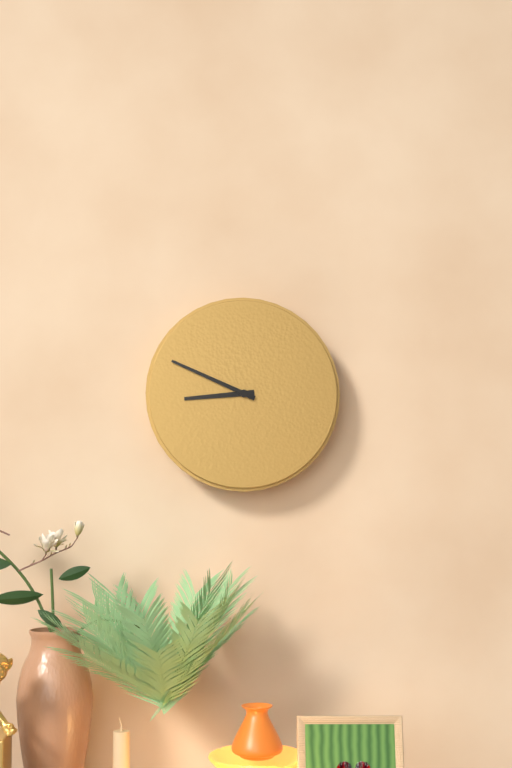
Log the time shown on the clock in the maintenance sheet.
8:49
